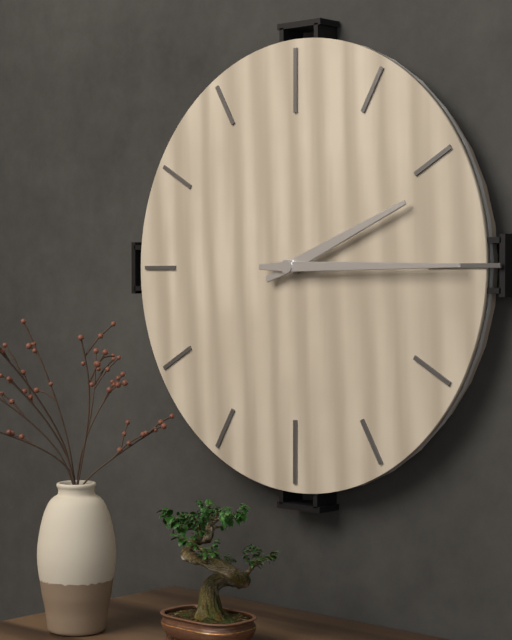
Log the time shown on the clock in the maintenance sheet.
2:15
